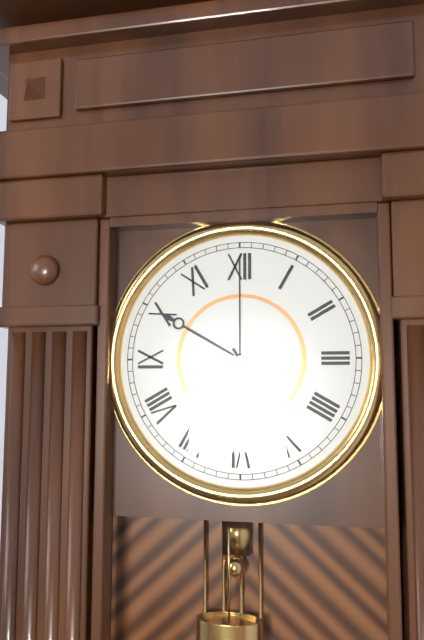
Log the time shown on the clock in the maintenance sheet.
4:50:00
